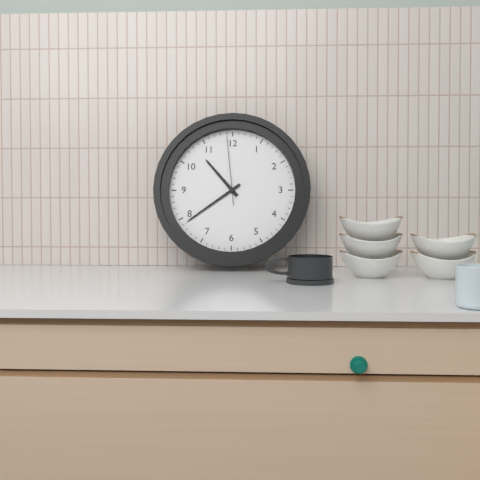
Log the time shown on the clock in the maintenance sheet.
10:39:59
